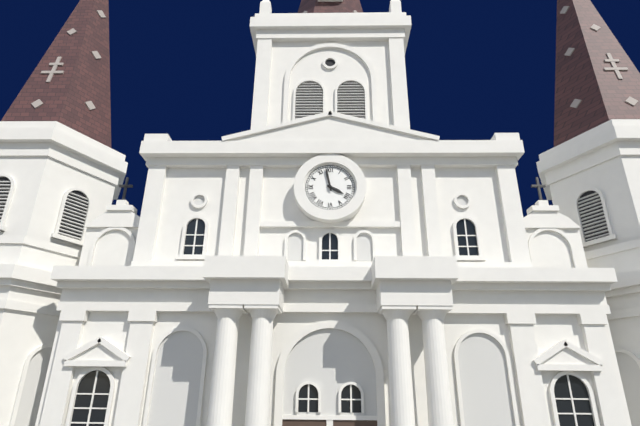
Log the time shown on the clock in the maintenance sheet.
3:58
